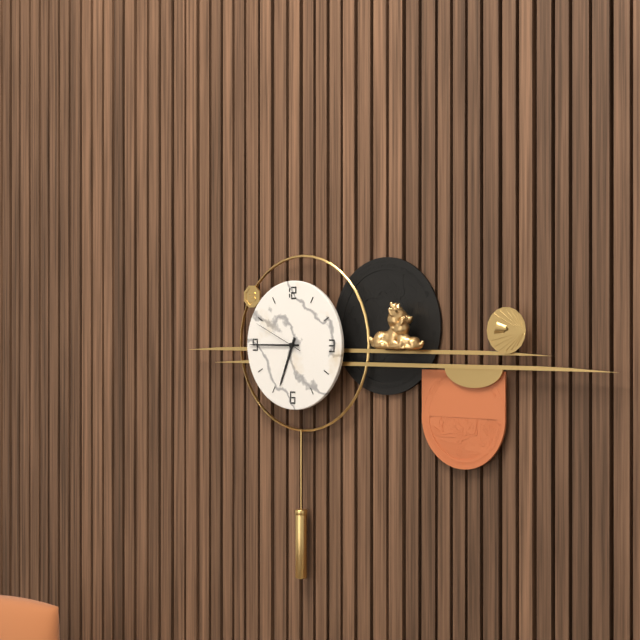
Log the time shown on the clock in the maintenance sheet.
6:45:49
